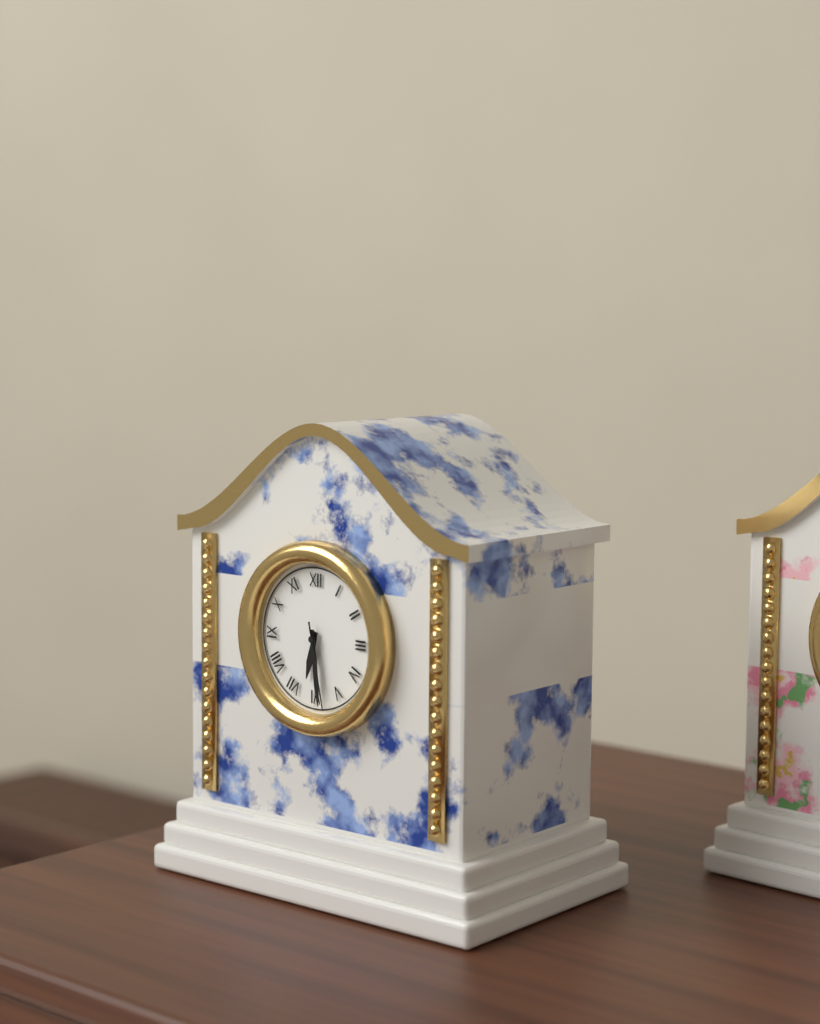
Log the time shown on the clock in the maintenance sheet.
6:29:28
